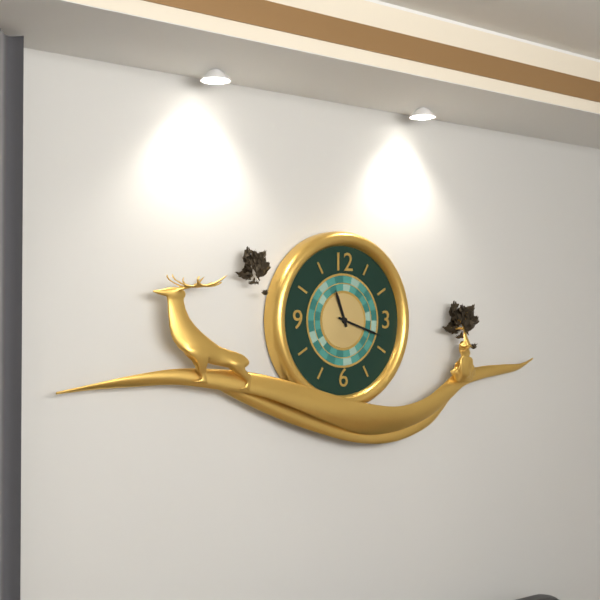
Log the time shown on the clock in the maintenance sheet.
11:18
